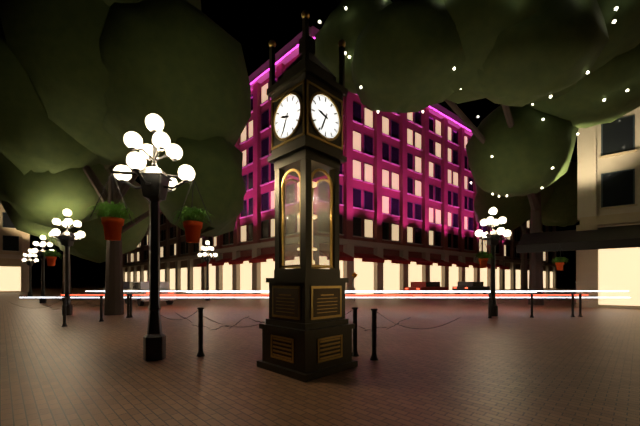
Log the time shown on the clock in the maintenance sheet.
9:34
